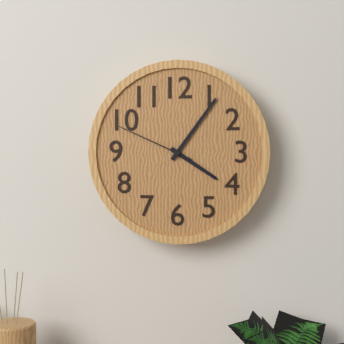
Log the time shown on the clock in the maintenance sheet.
4:06:49
